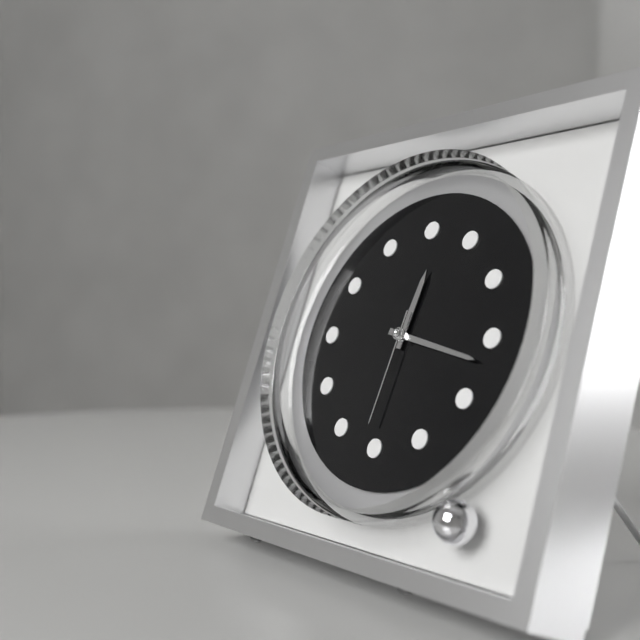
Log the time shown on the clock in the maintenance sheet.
12:17:31
